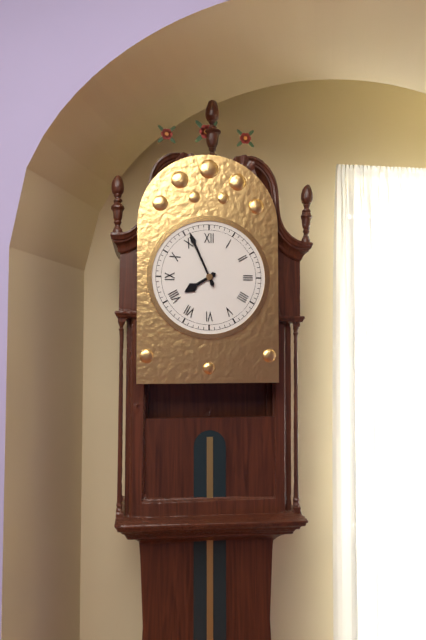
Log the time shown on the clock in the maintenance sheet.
7:56
